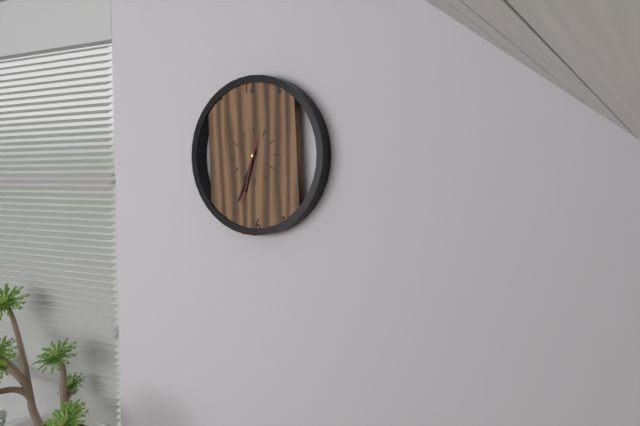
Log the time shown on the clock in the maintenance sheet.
6:34:33
